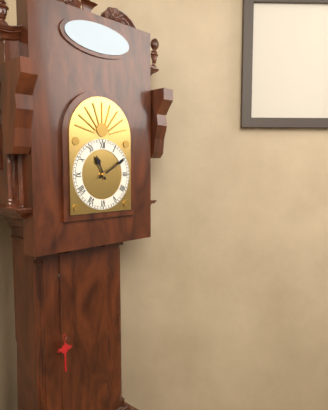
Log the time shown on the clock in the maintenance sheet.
11:10
